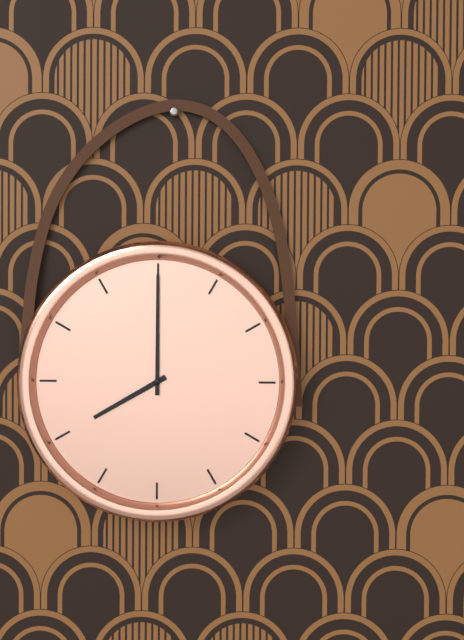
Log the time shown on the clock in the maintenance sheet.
8:00
